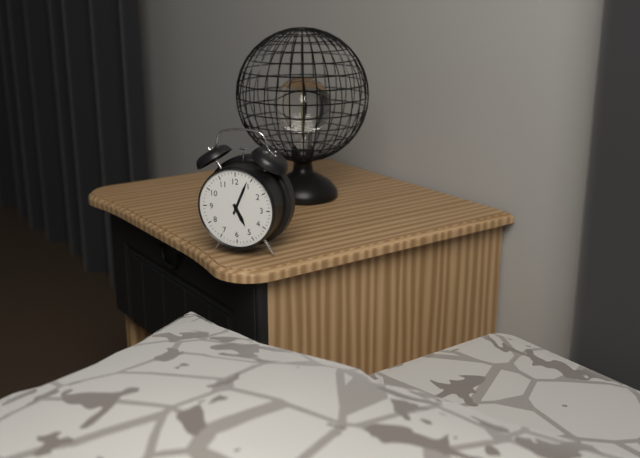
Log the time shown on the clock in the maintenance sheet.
5:04
